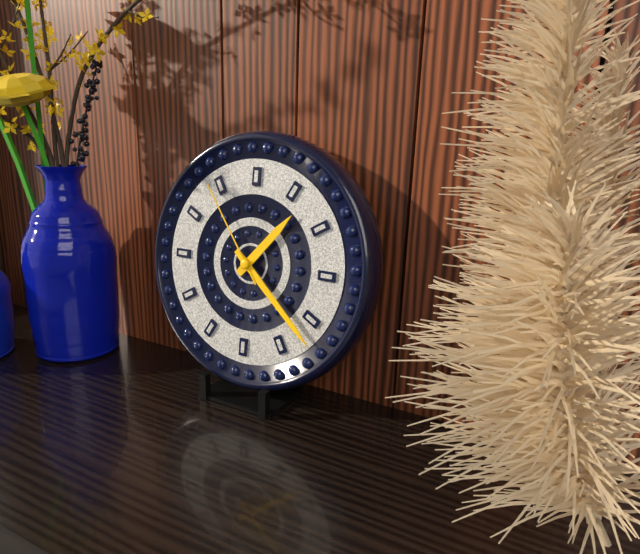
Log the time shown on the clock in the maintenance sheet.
1:22:54
